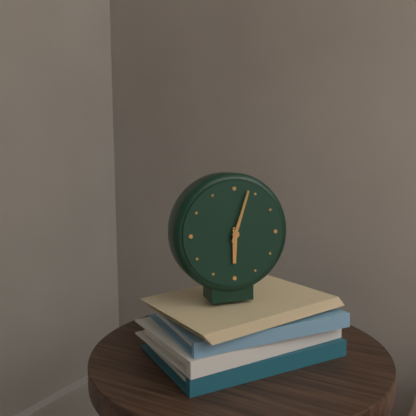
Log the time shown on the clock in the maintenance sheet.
6:03
